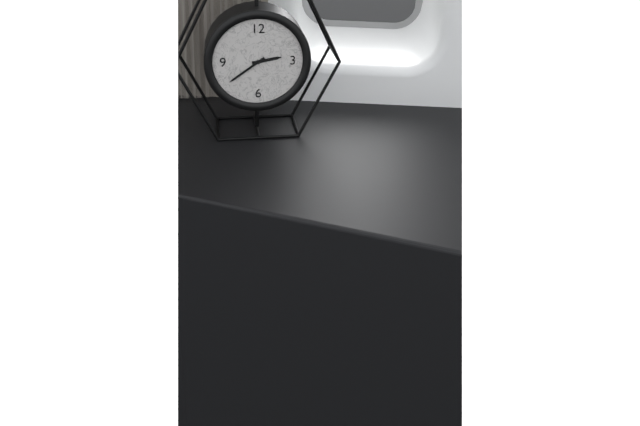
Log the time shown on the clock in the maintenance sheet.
2:39
